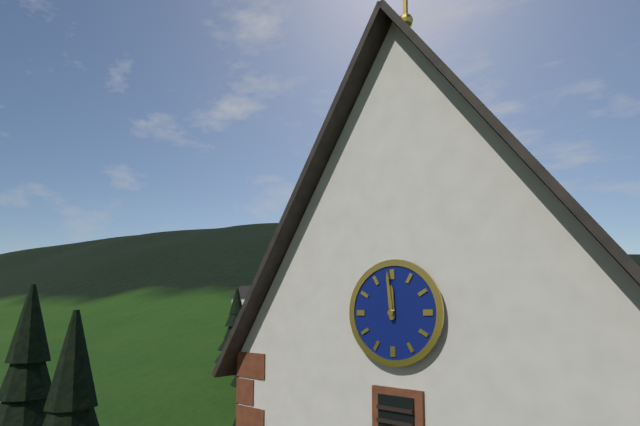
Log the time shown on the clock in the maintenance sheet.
11:59
